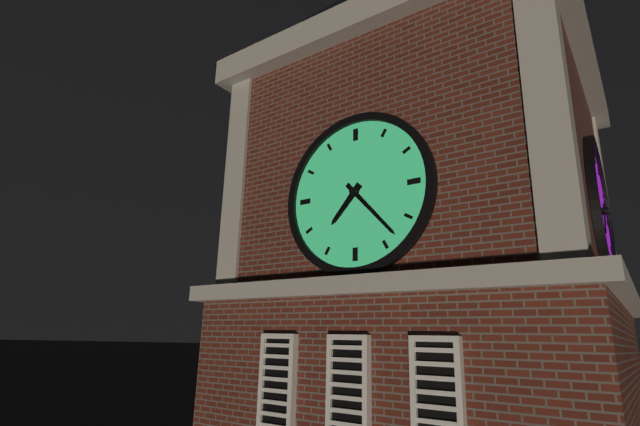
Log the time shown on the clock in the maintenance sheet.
7:23
